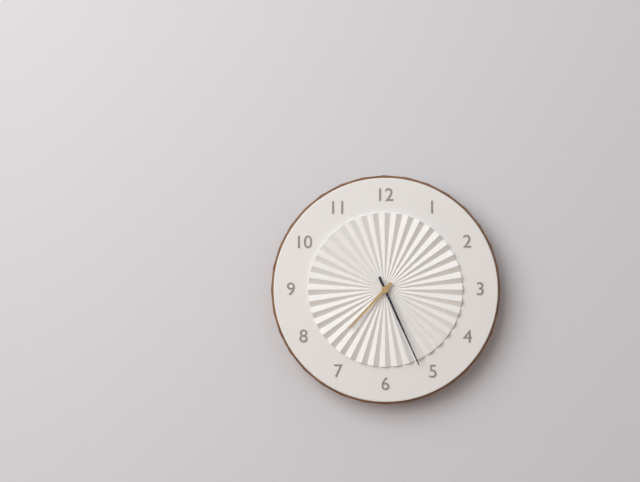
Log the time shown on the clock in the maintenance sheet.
7:26
